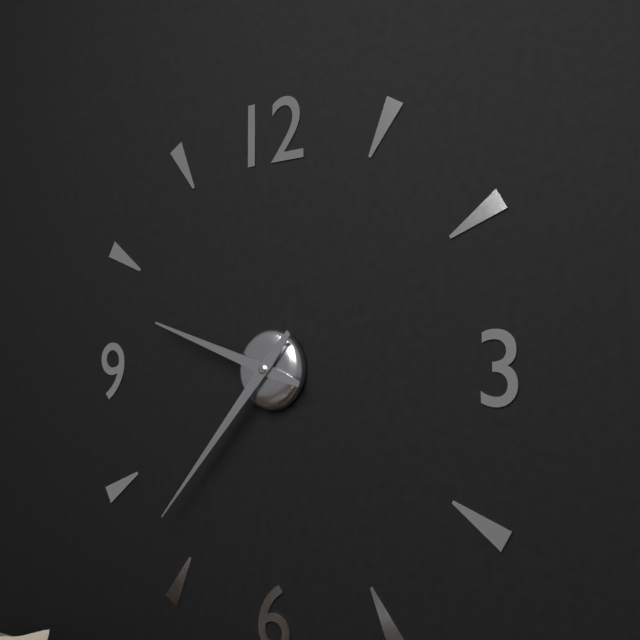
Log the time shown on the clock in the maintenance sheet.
9:37
